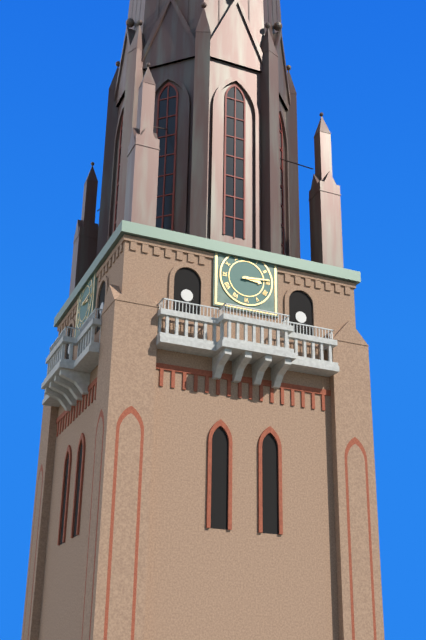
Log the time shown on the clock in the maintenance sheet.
3:14
